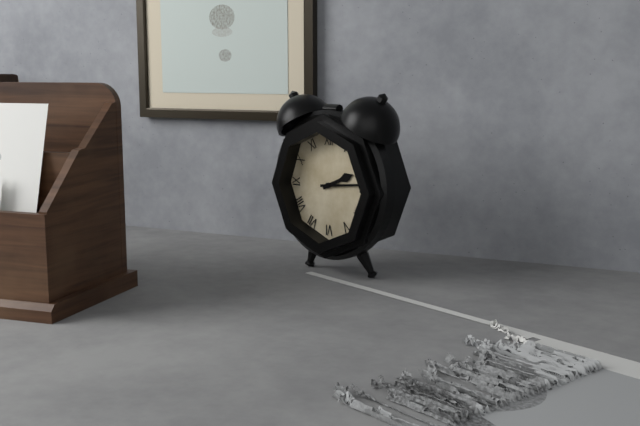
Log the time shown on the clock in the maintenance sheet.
2:14
